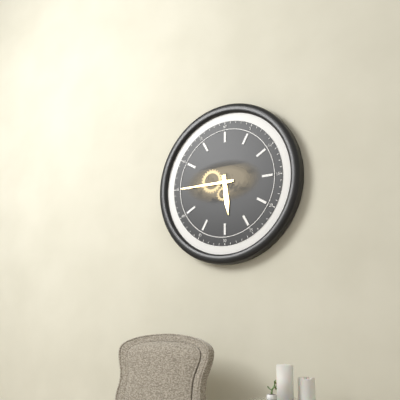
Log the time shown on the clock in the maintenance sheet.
5:45
